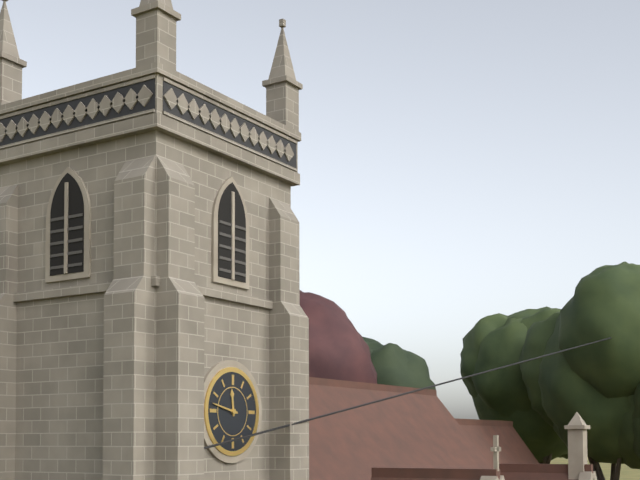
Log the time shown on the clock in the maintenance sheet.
11:47
